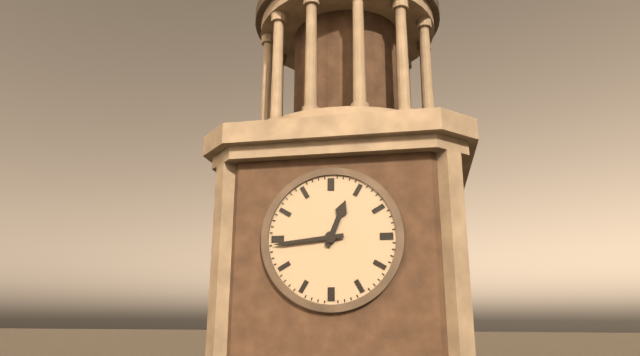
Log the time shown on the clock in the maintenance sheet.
12:44
